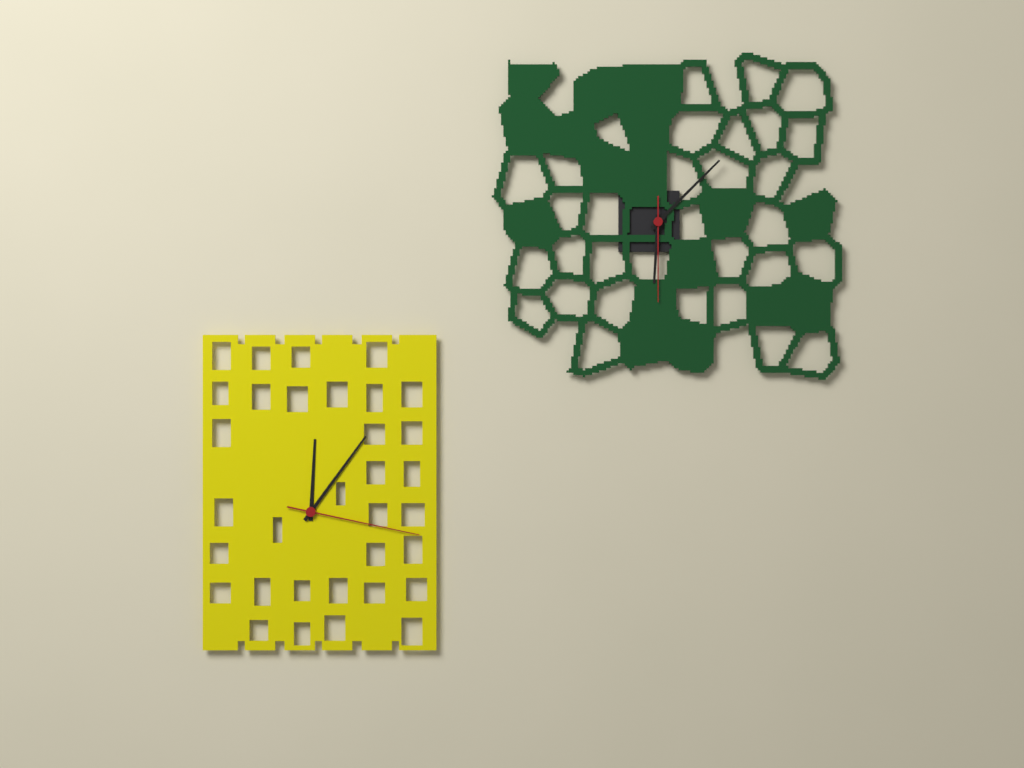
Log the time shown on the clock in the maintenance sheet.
12:06:17
